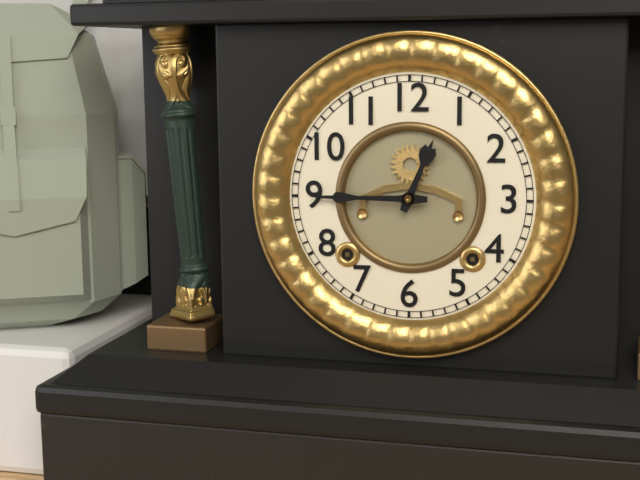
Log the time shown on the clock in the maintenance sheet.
12:45
